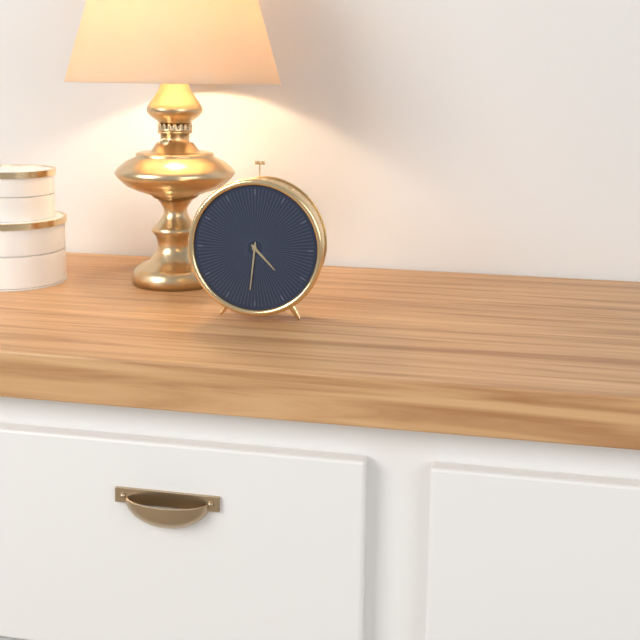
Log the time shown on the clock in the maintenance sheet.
4:31
